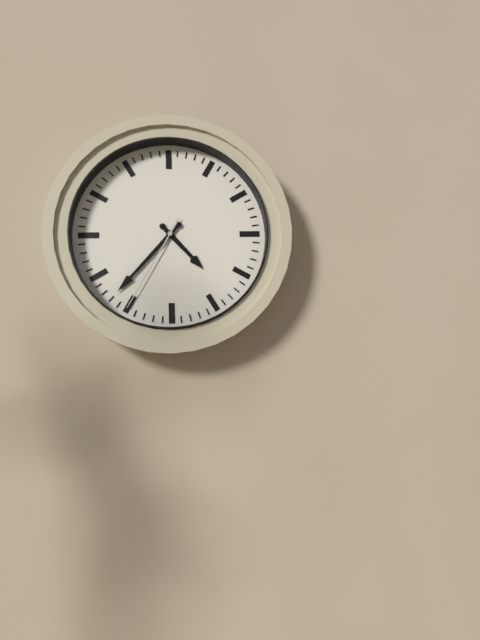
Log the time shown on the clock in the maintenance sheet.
4:37:35
